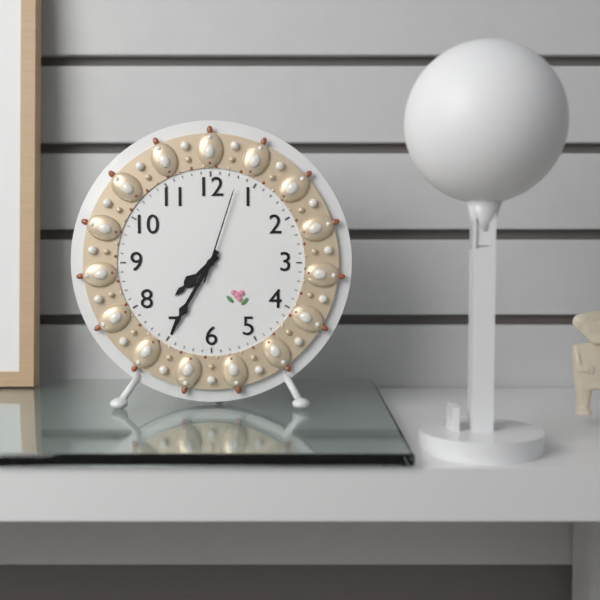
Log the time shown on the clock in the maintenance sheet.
7:35:03
